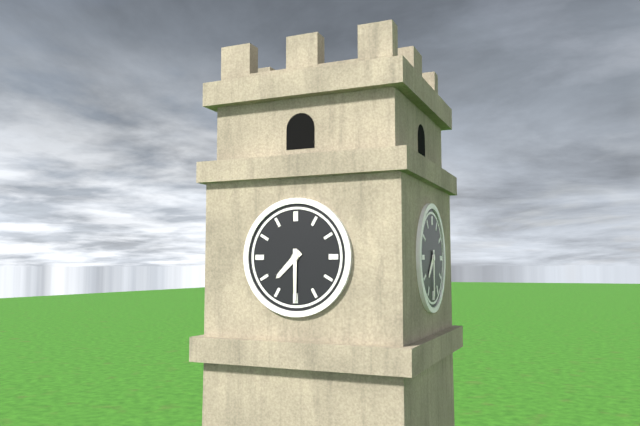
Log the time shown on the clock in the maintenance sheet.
7:30
